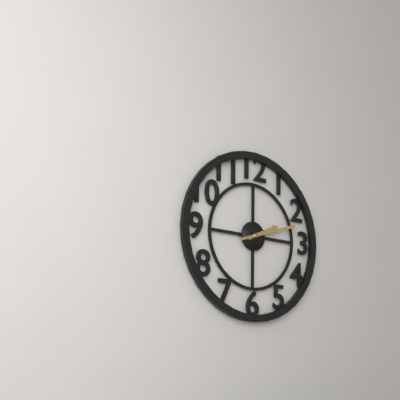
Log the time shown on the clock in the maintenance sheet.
2:12
